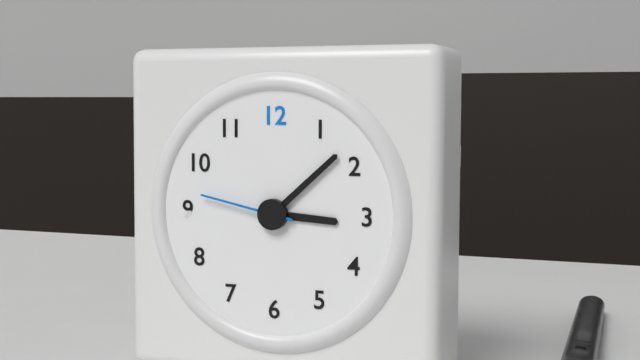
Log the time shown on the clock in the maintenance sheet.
3:08:47
